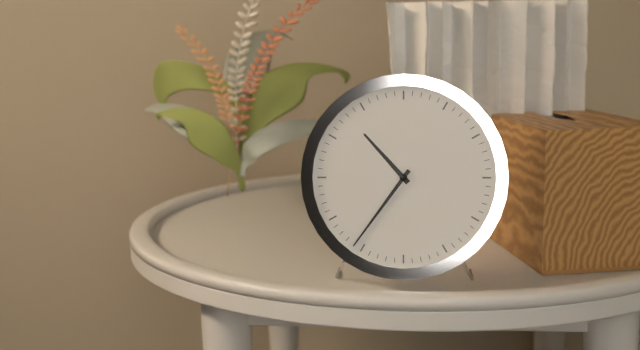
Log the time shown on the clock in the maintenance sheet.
10:36
